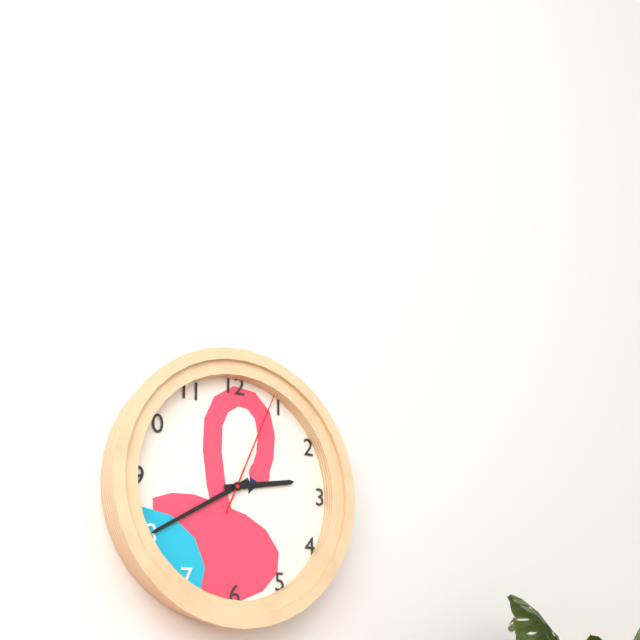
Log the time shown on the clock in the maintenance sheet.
2:40:04
